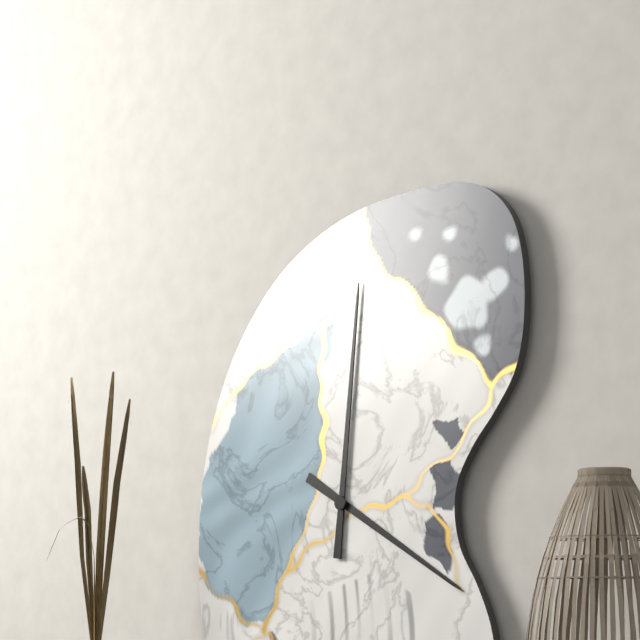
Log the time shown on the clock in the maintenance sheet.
4:01
